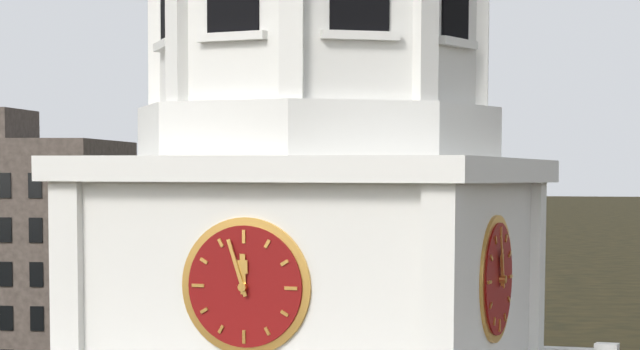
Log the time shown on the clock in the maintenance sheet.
11:57
